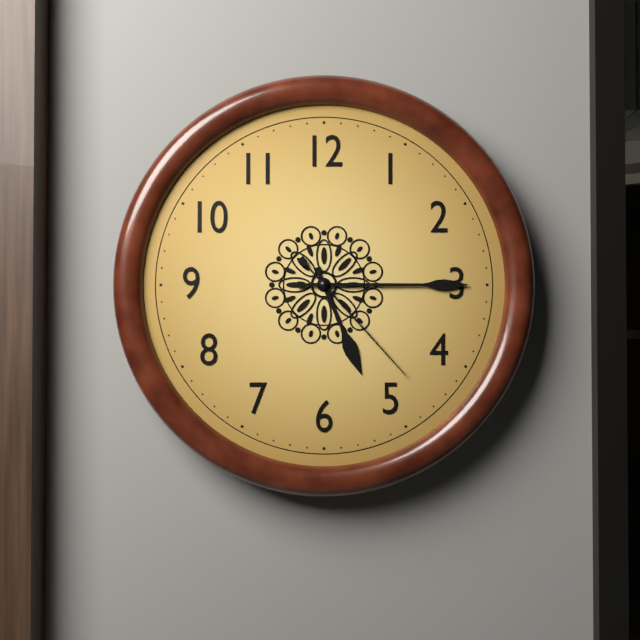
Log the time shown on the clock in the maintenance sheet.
5:15:23
